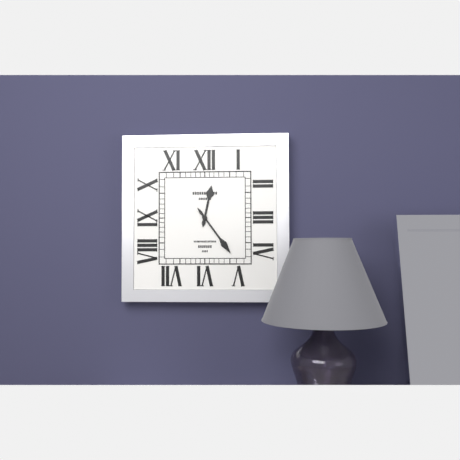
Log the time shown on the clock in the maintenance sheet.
12:24
